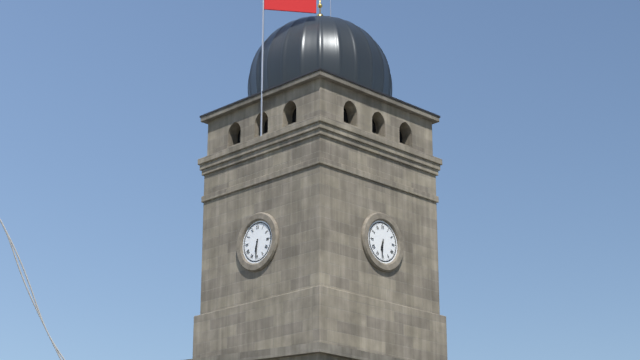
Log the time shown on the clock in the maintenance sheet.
6:31
